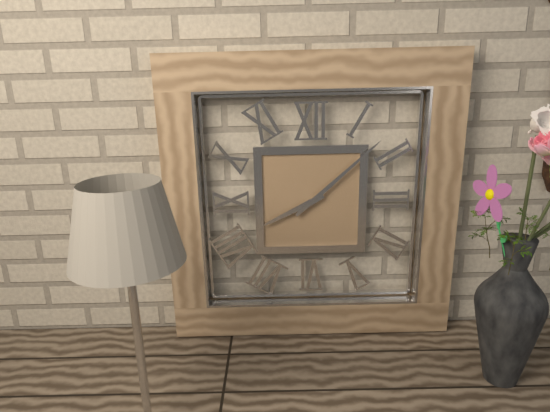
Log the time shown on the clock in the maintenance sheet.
8:08
